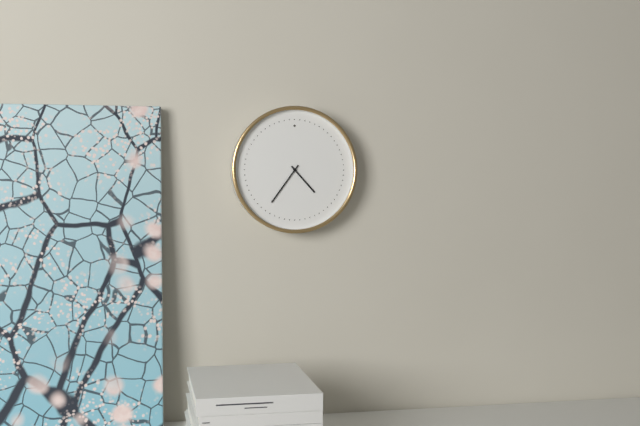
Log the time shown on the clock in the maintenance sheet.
4:36
